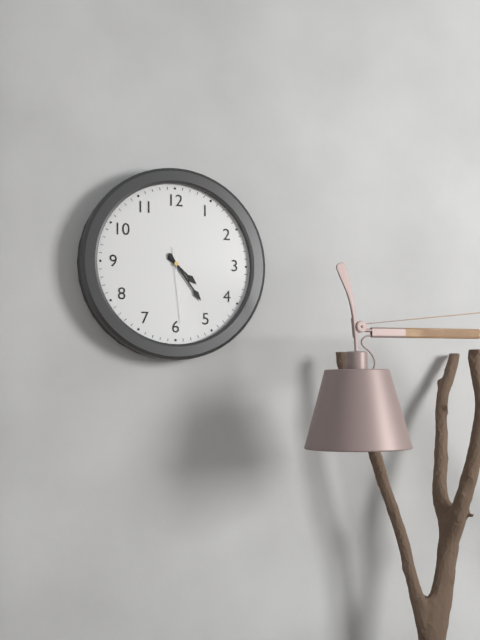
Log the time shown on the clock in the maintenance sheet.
4:24:29
